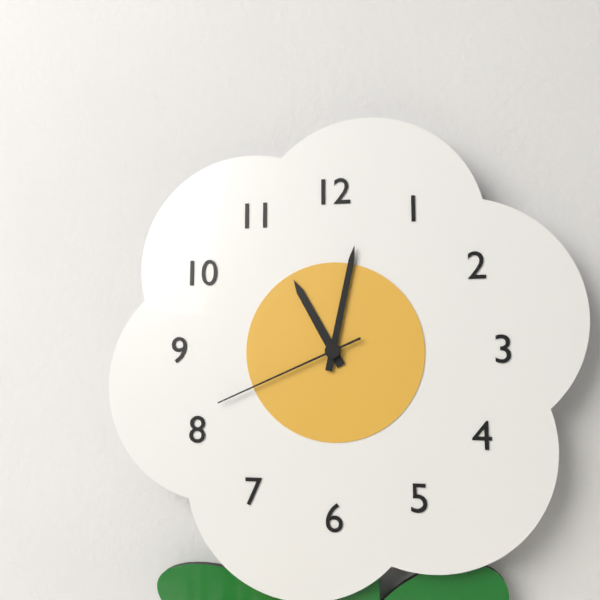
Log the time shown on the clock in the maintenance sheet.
11:02:41
